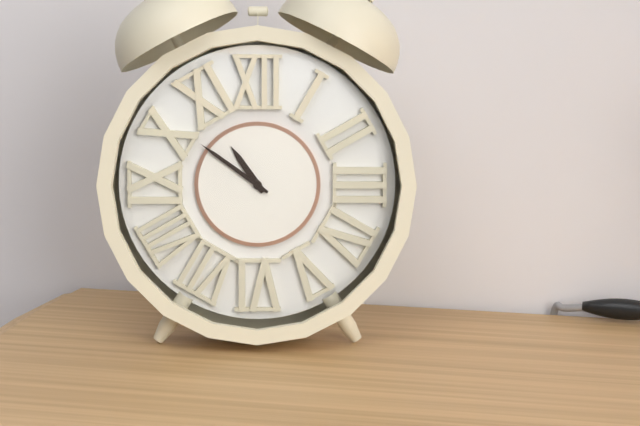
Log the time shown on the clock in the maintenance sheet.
10:51
